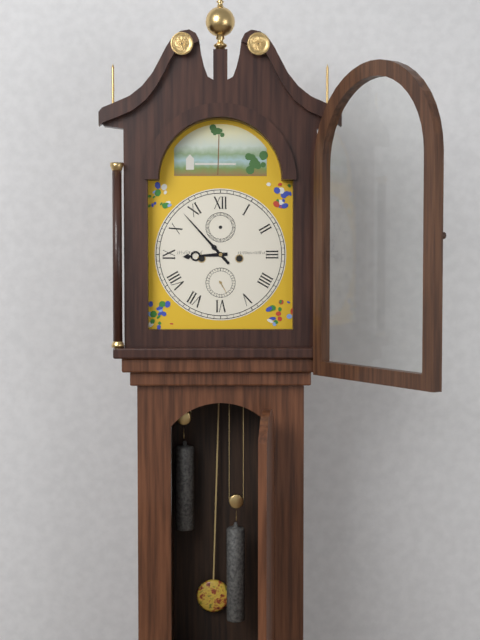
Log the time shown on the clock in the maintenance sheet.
8:53
